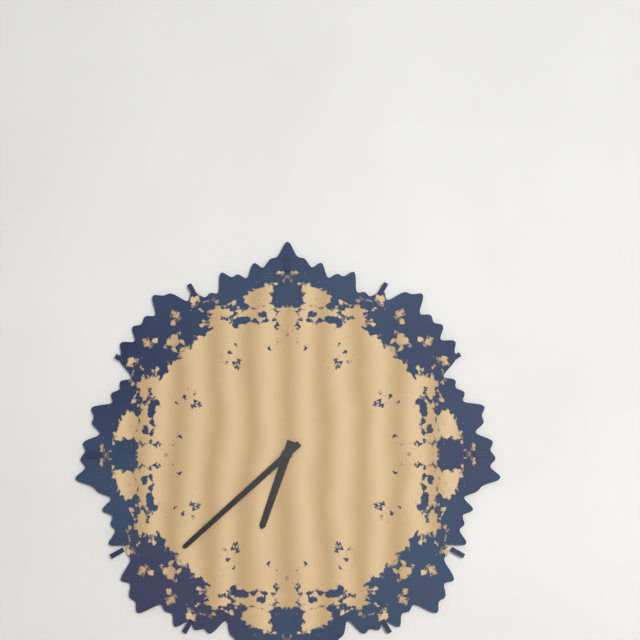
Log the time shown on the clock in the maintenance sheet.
6:38
